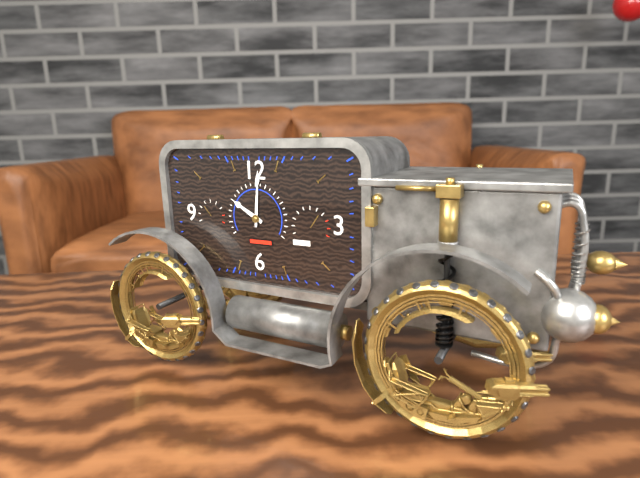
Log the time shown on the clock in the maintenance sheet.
10:01
